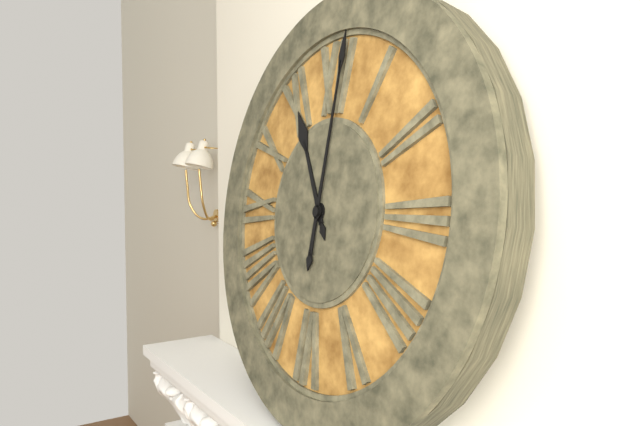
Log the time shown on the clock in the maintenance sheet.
11:01
